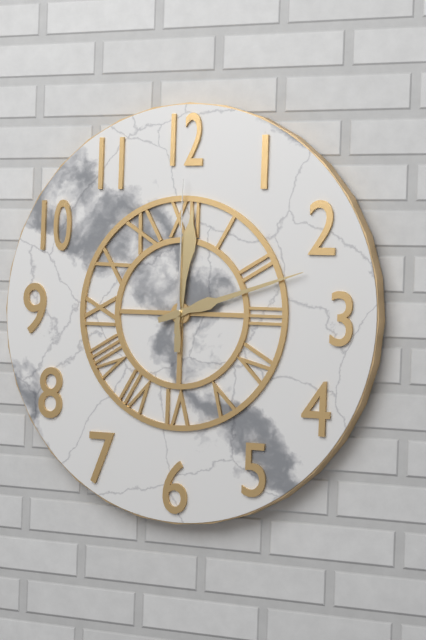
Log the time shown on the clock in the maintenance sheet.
12:12:00
